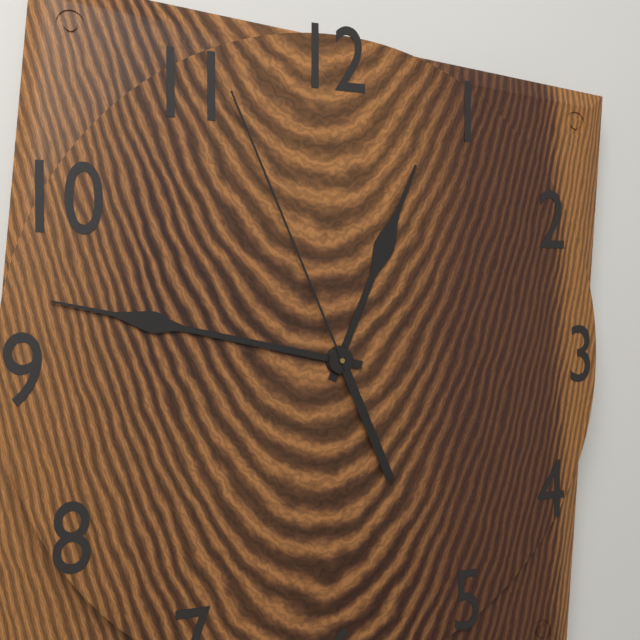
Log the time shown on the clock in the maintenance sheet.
12:47:56
